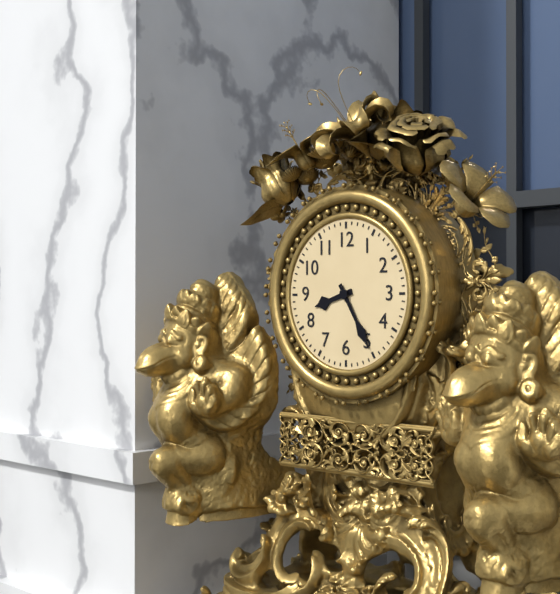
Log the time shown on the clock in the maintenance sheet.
8:25
